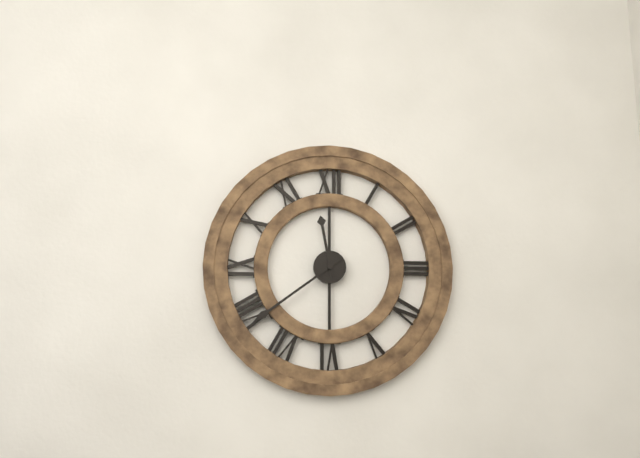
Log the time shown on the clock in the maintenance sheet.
11:39
